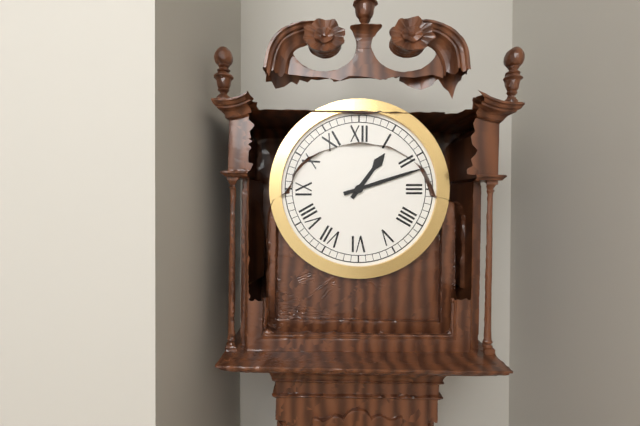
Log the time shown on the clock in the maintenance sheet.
1:12
